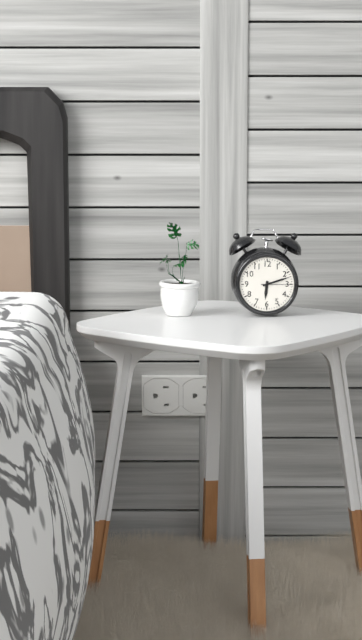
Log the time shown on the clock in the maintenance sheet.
6:12
